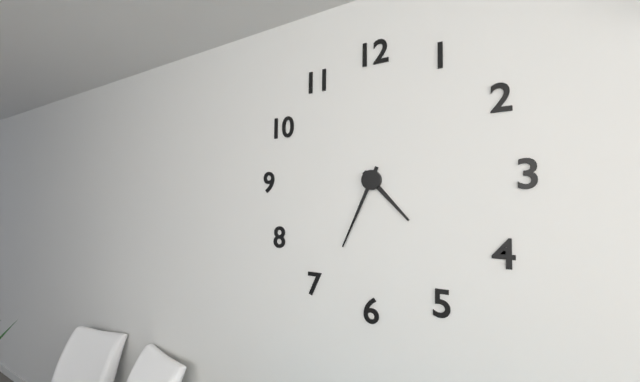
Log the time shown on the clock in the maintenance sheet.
4:34
